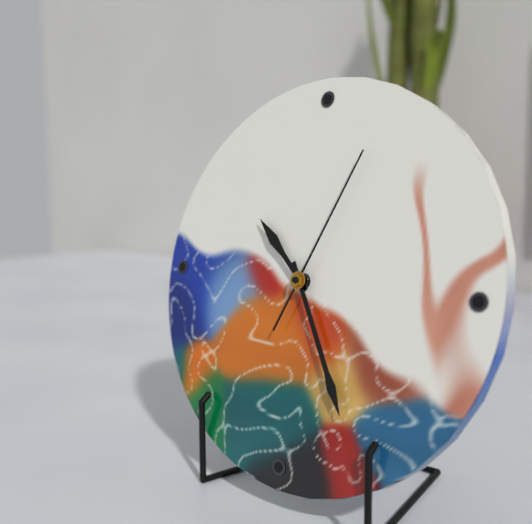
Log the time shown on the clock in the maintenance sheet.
10:25:04
